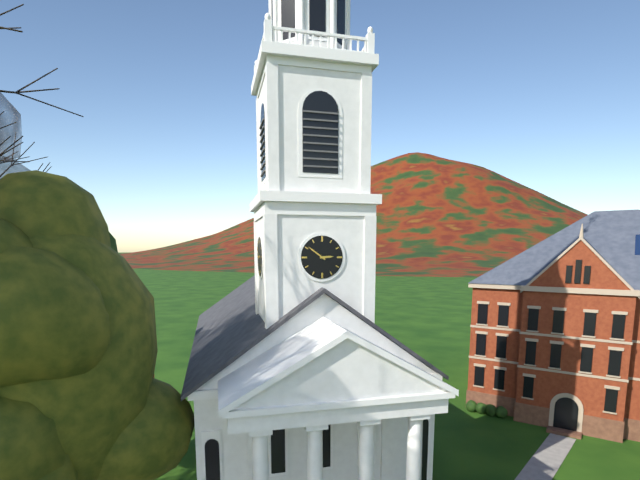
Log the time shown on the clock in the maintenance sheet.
2:51
